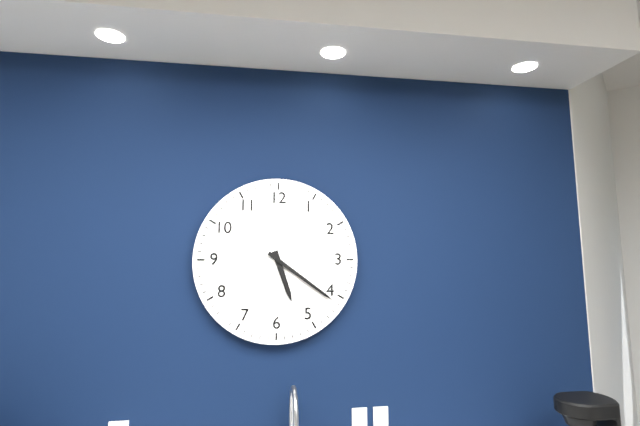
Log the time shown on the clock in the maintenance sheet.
5:21
